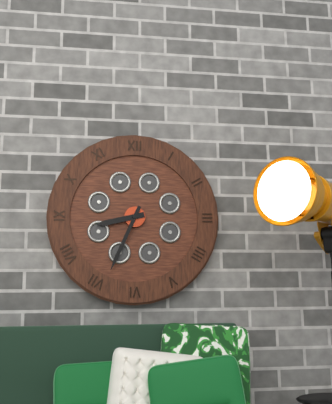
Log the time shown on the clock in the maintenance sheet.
8:34
